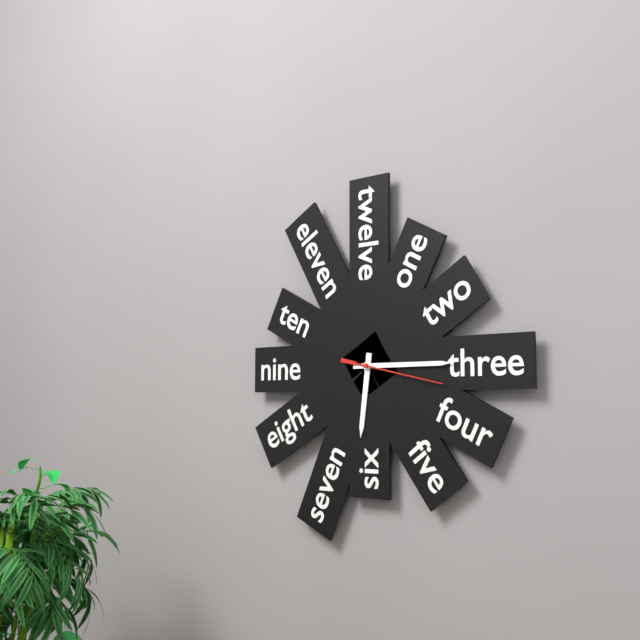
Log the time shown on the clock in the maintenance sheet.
6:15:17
